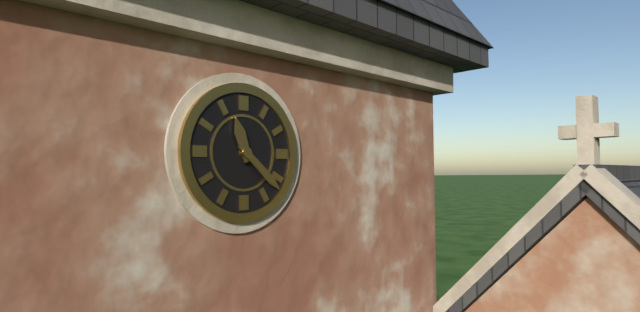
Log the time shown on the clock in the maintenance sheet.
11:22
